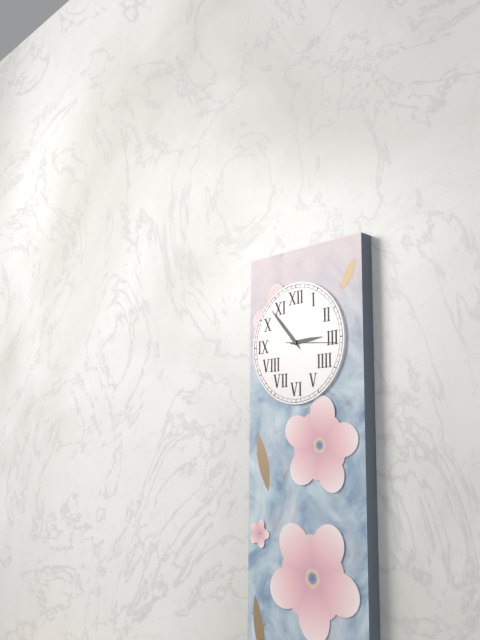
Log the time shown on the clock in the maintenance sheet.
2:53:16
